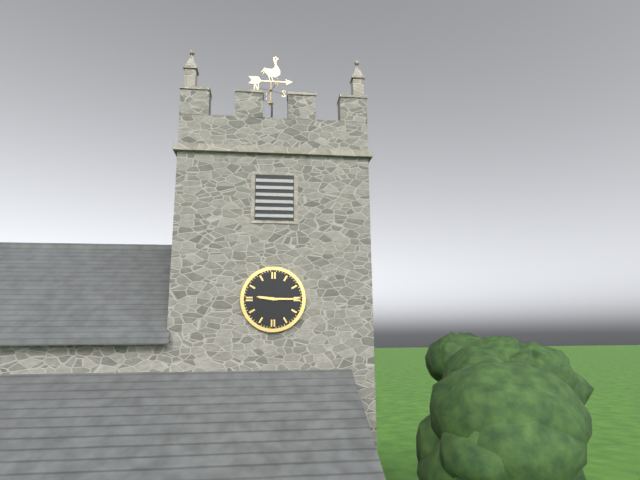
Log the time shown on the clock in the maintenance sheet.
9:15
